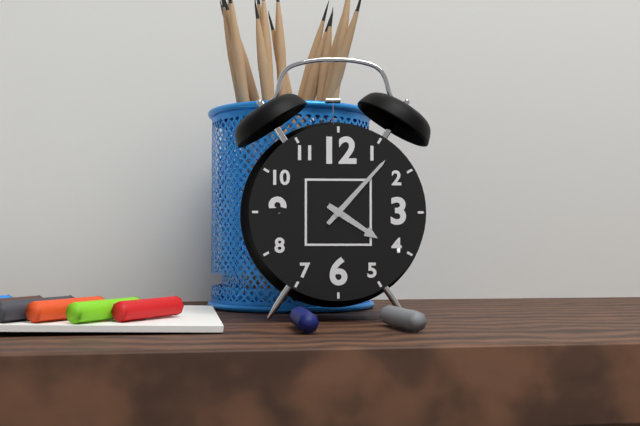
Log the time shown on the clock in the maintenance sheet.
4:07
